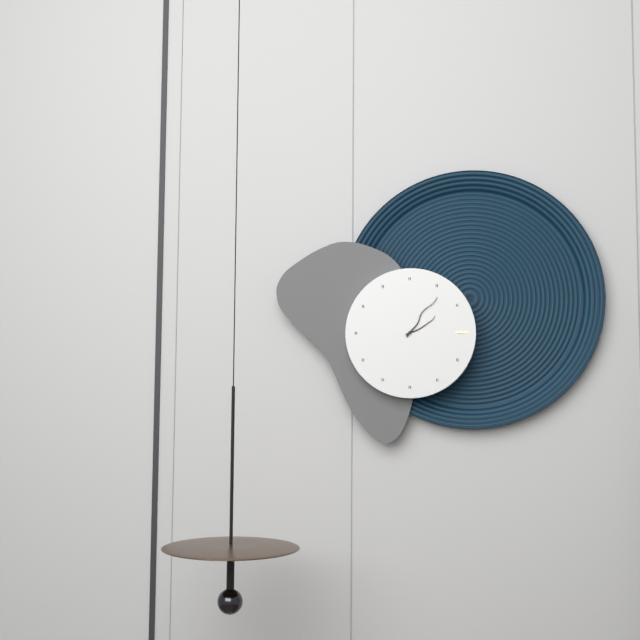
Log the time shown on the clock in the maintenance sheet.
2:06
